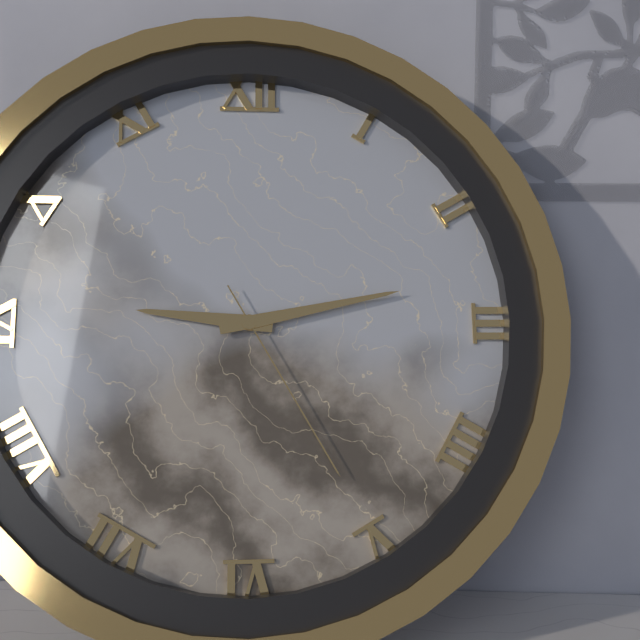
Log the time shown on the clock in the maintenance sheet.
9:13:25
